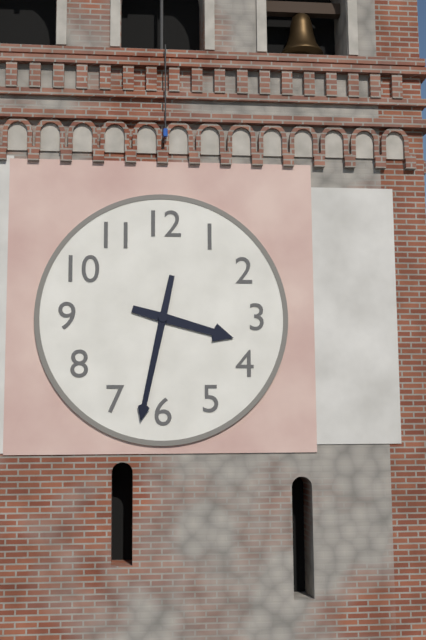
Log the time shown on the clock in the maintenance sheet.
3:32
